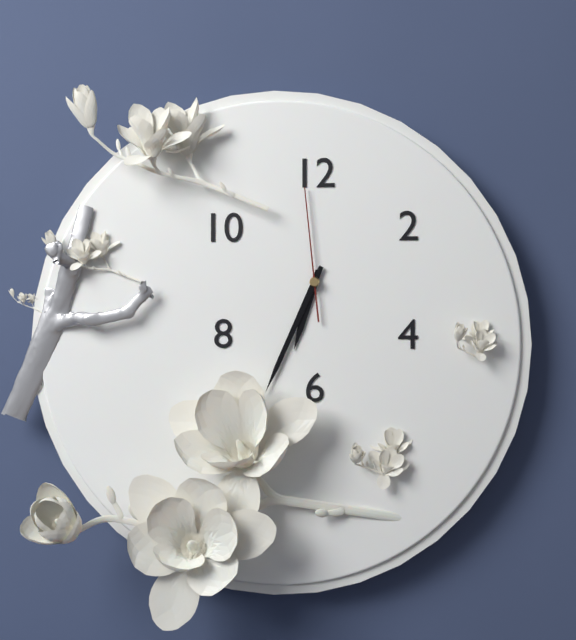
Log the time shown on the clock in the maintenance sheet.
6:34:59
